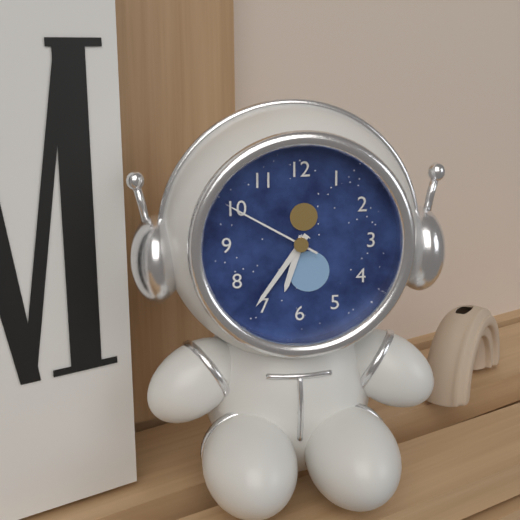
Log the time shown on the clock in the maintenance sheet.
6:36:50
